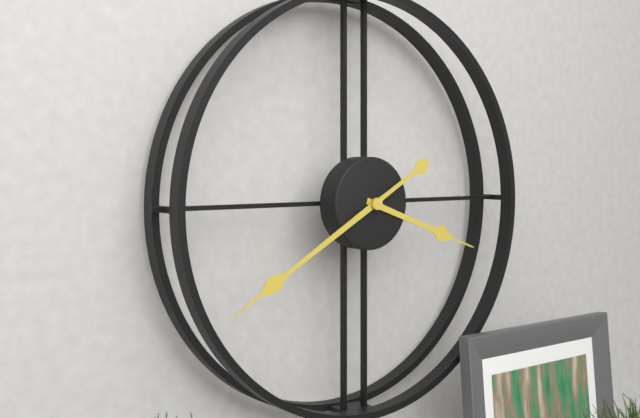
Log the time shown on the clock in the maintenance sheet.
3:40
